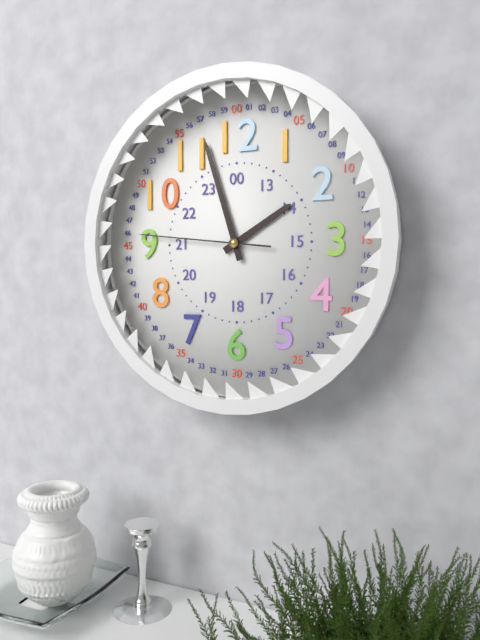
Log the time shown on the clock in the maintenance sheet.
1:57:46
